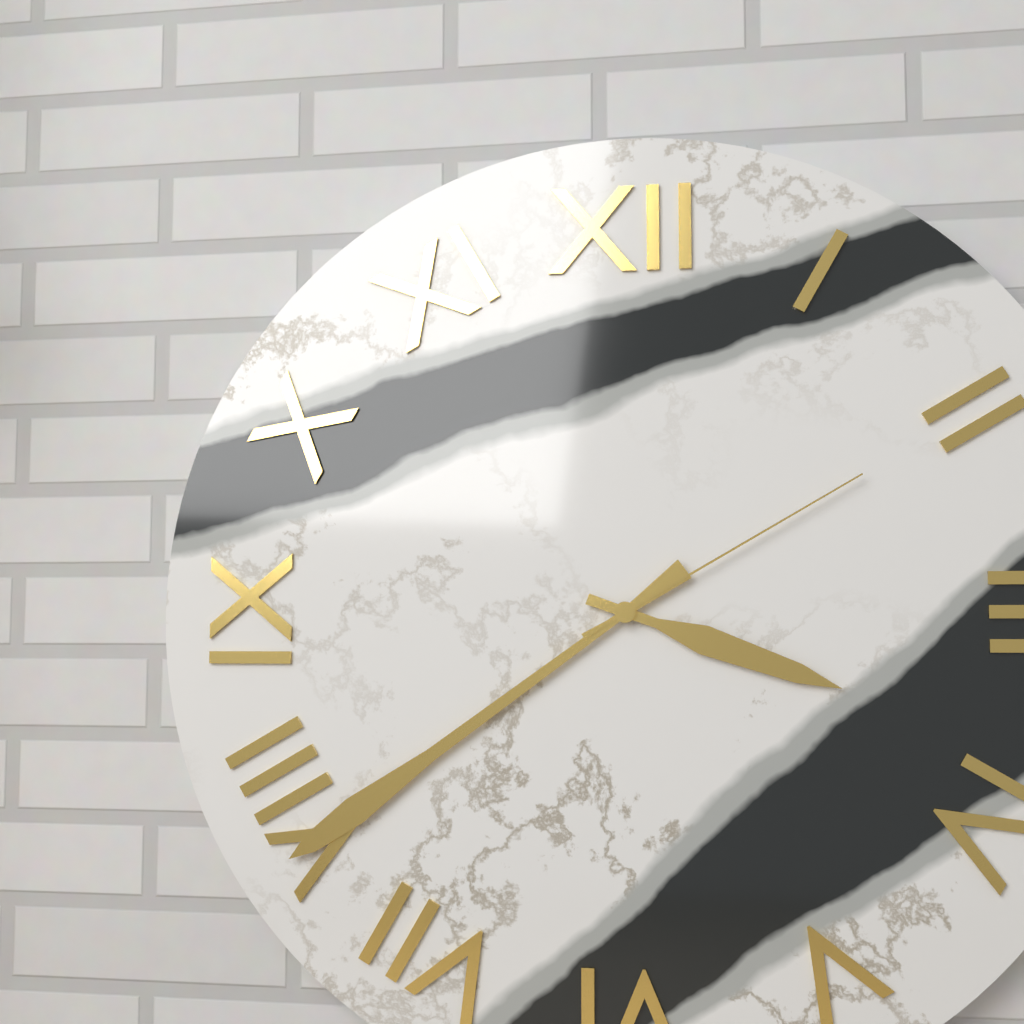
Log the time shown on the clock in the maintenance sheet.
3:39:10
